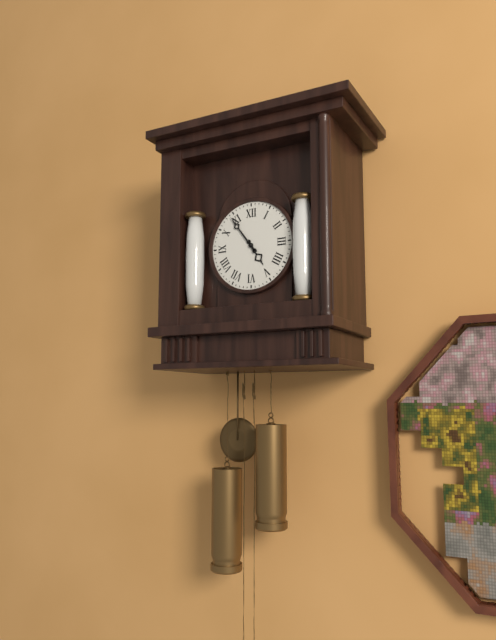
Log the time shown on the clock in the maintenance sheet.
4:54
